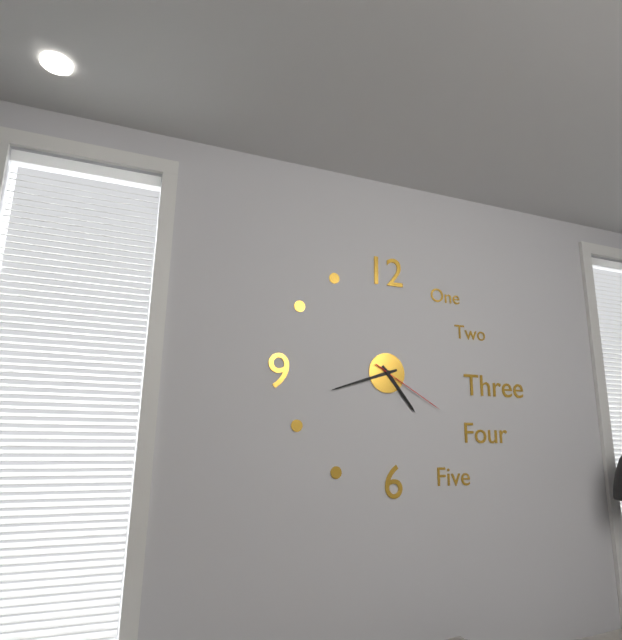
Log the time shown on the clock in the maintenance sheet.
4:42:20
